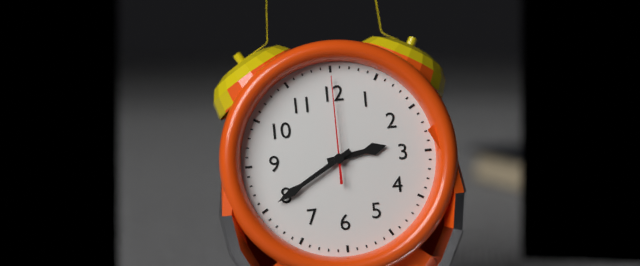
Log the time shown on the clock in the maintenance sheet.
2:40:00
